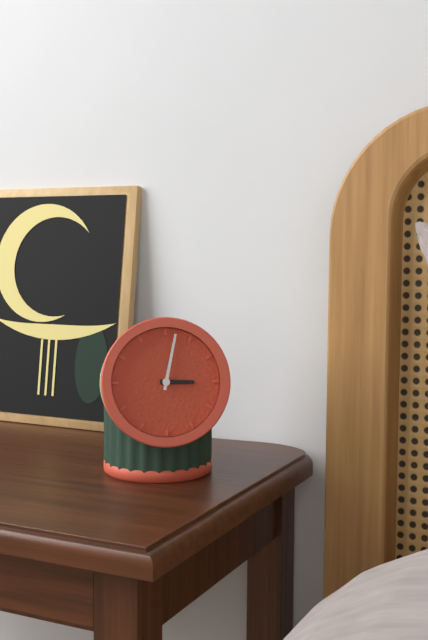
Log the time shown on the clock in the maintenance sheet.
3:02
